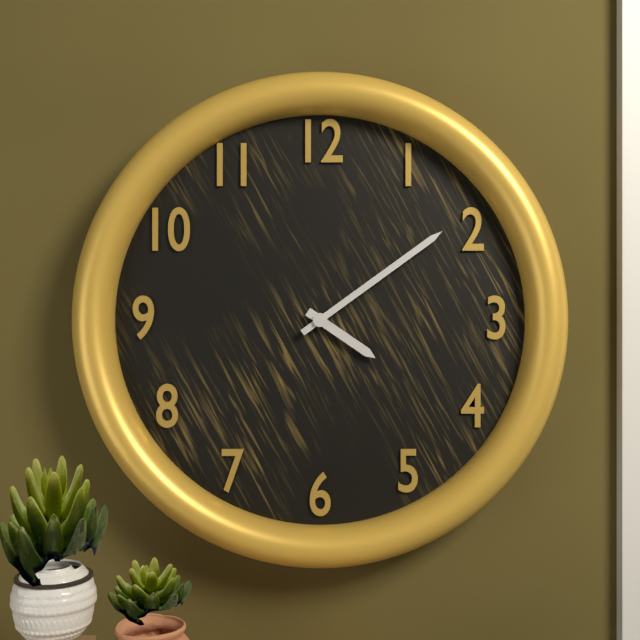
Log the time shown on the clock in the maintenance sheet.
4:09
